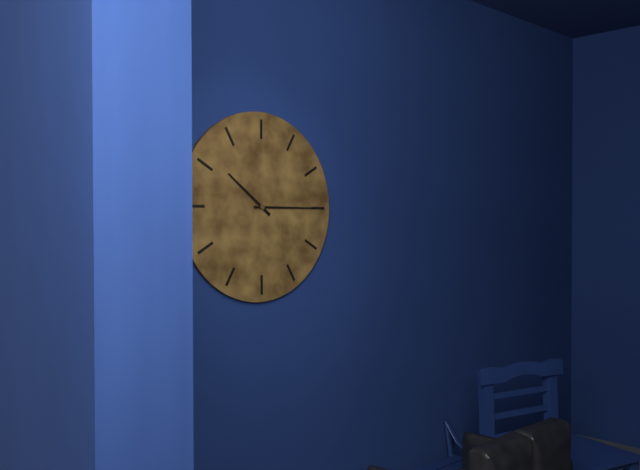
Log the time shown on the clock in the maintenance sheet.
10:15
